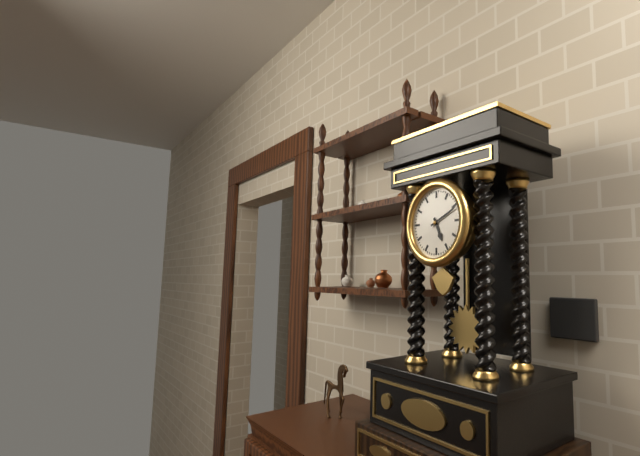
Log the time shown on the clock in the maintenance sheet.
5:11
